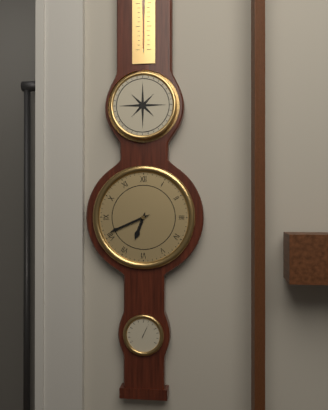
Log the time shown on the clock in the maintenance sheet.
6:41
